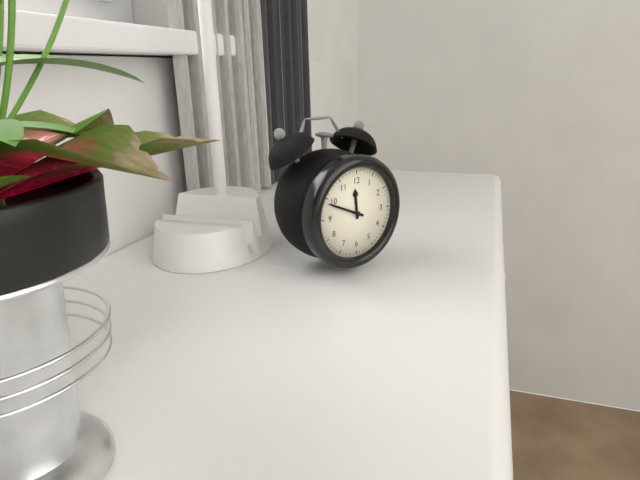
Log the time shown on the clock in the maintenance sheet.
11:49
